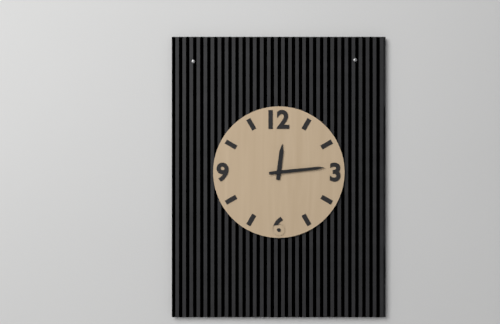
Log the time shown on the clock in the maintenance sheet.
12:14
